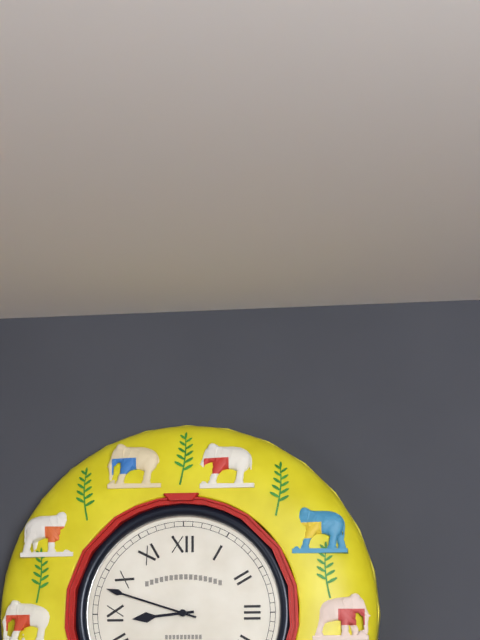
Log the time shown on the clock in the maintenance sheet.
8:48
